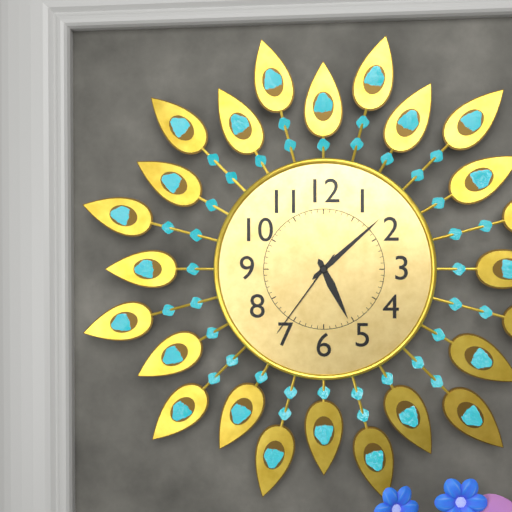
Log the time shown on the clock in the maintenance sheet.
5:08:36
